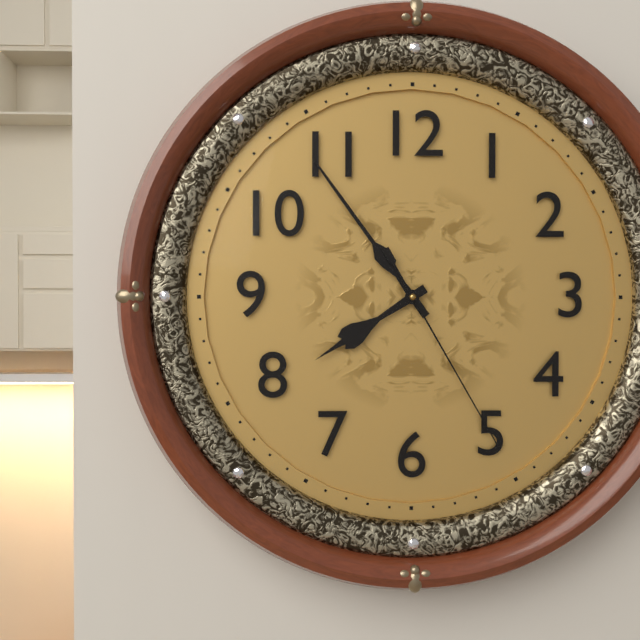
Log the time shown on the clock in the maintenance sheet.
7:54:25
